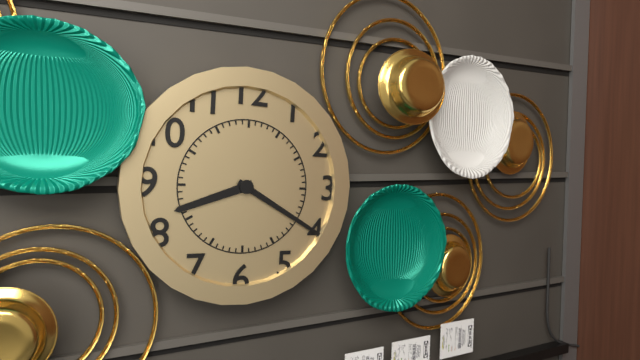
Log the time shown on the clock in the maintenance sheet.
8:20
